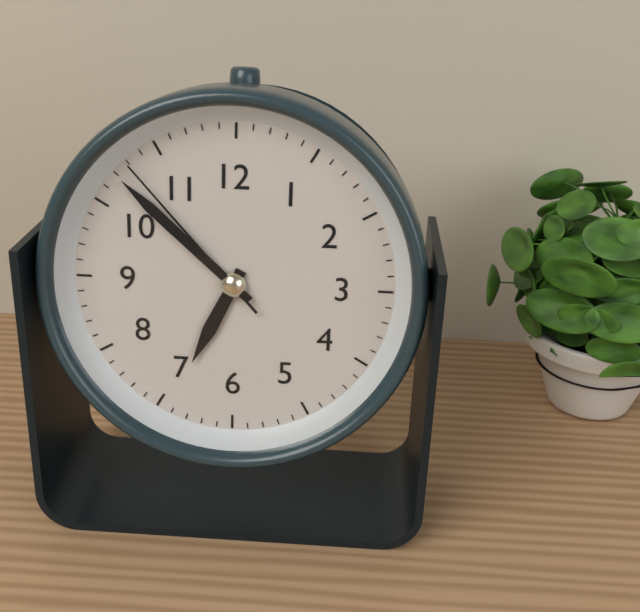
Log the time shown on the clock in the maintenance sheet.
6:52:53
